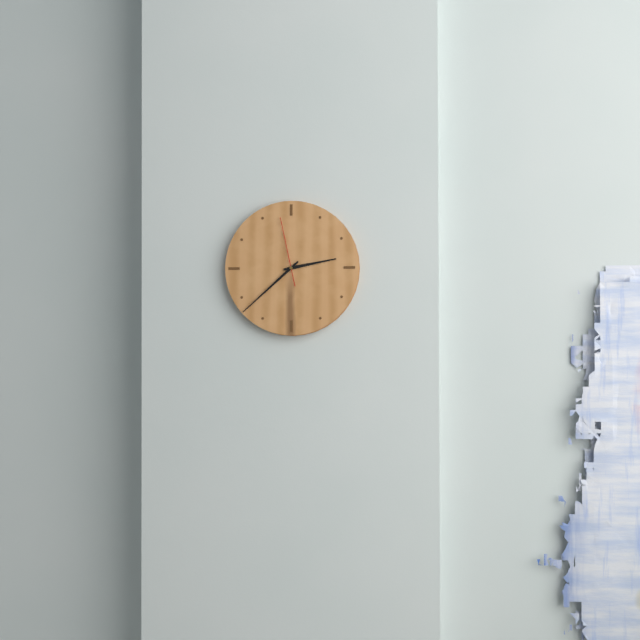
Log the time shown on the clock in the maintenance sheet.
2:38:58
